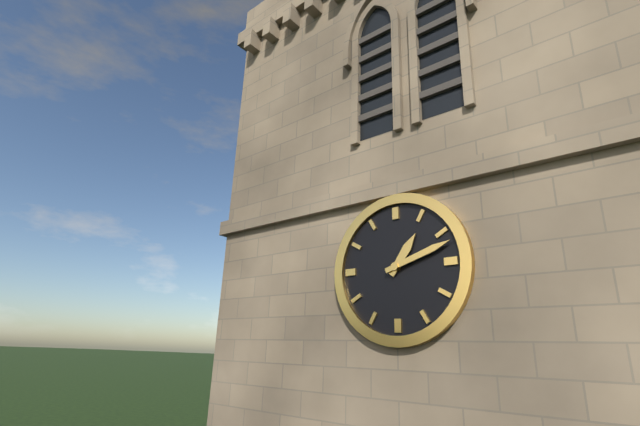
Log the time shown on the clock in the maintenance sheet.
1:12
